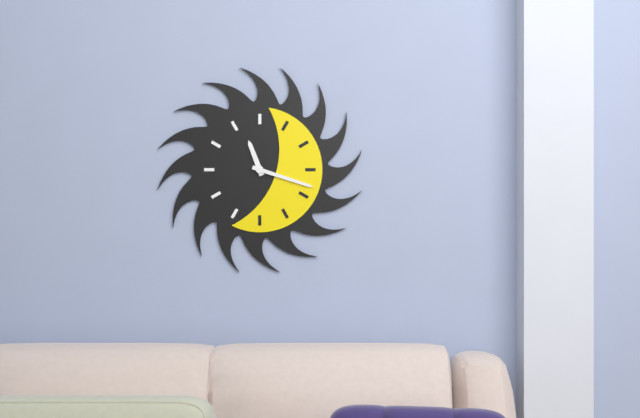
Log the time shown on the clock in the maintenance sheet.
11:18
